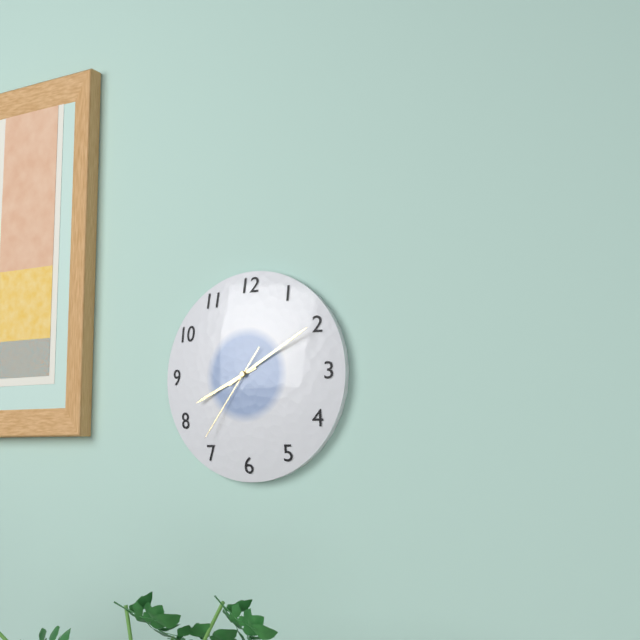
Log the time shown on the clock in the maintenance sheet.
8:10:36
